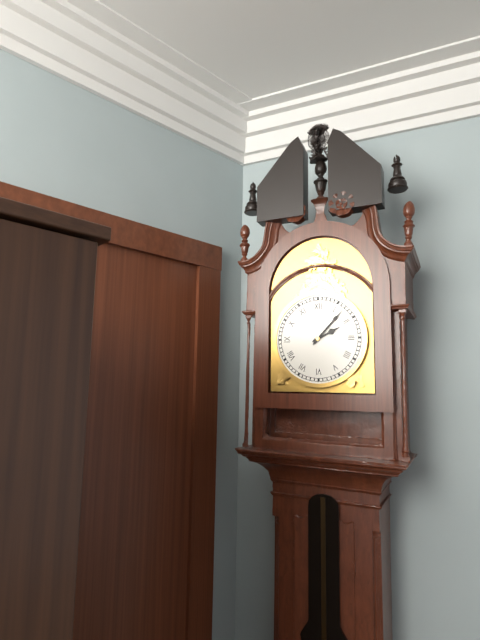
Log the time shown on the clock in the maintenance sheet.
2:07
